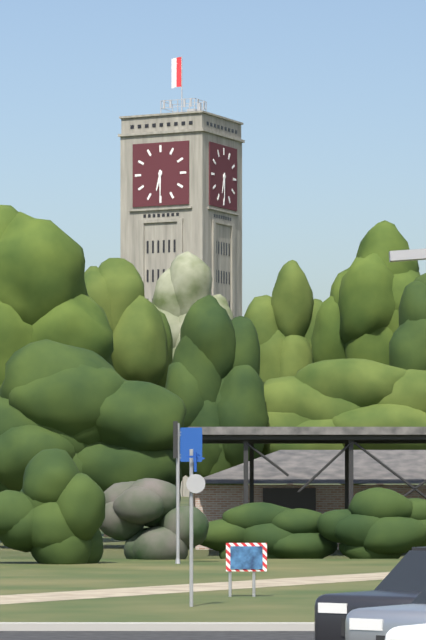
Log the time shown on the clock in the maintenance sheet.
6:30
